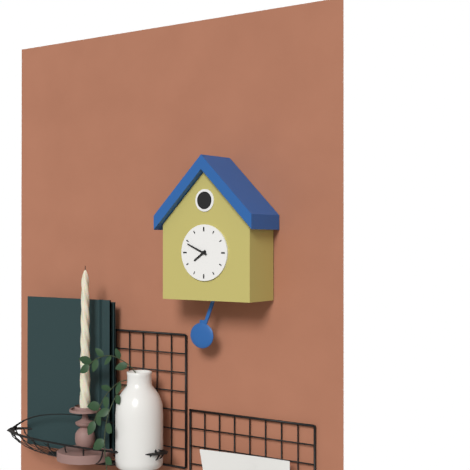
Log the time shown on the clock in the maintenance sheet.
7:49
